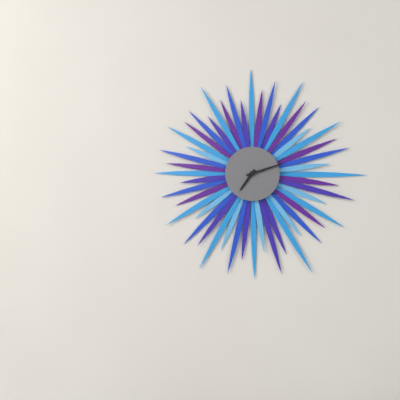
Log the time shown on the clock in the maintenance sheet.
7:12
